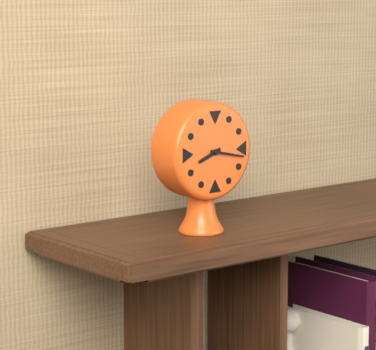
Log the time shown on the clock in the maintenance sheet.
8:17
